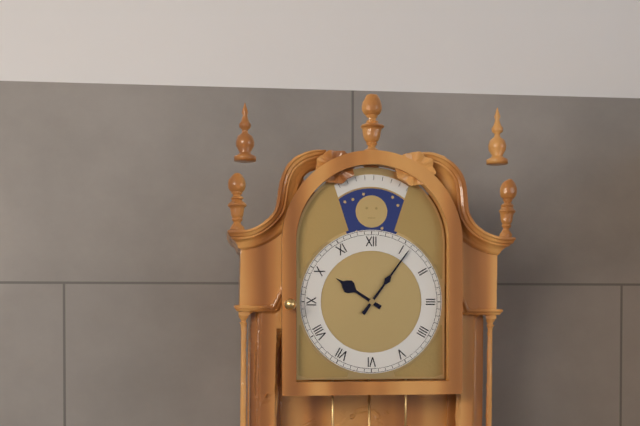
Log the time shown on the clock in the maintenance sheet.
10:06
